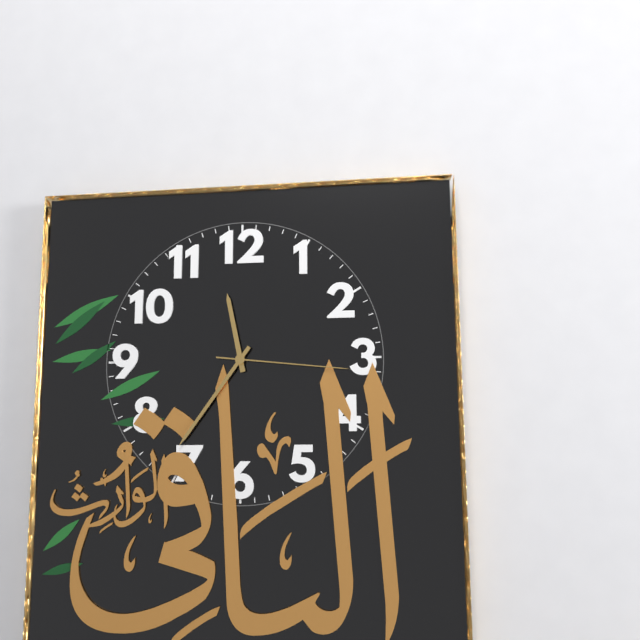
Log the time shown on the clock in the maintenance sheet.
11:36:16
